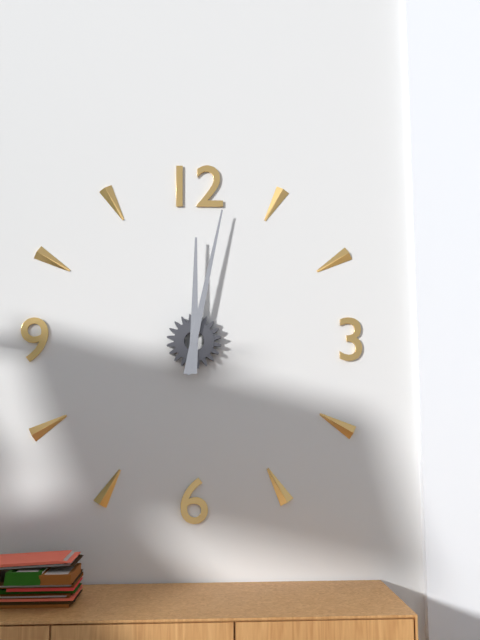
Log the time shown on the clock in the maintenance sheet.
12:02
